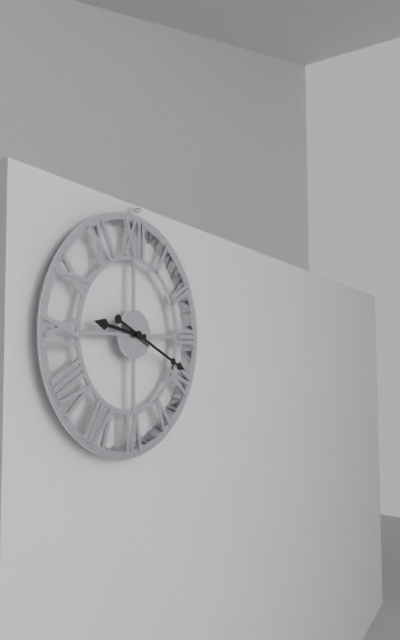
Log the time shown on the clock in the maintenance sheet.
9:19
